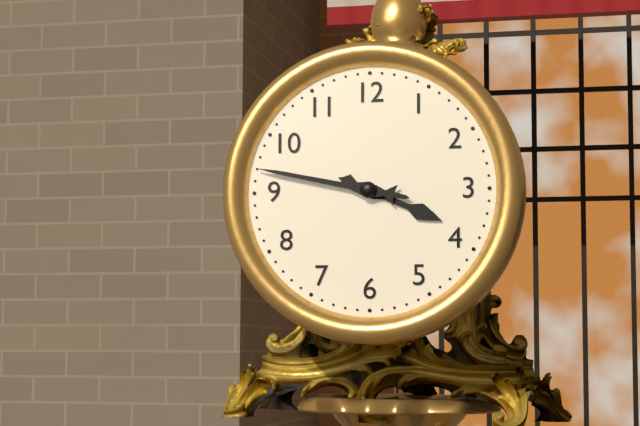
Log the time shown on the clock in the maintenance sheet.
3:47
